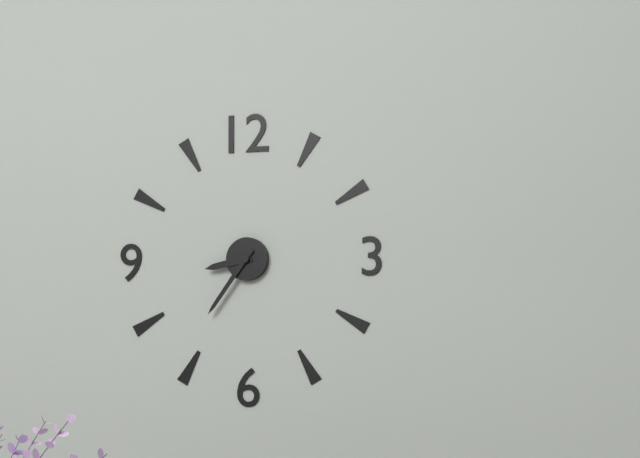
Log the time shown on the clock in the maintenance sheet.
8:36
